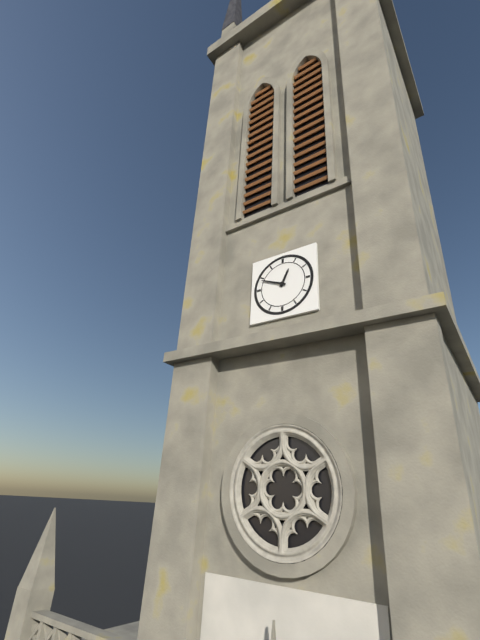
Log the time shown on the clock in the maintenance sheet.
12:49
